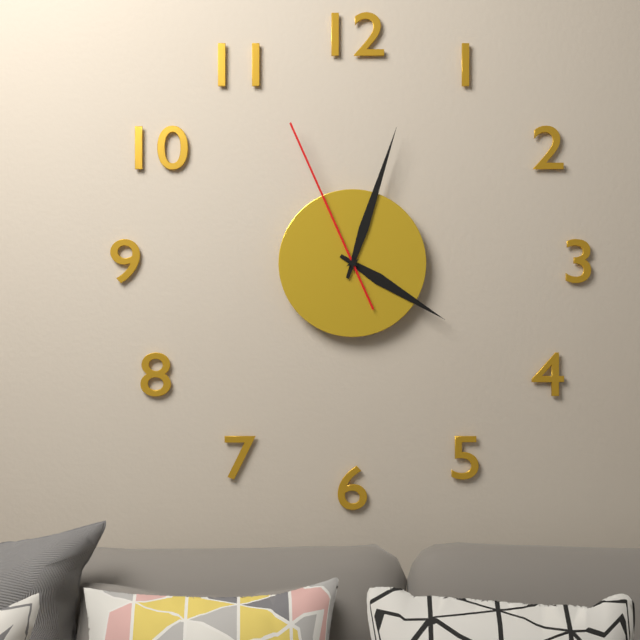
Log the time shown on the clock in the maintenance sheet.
4:03:56
